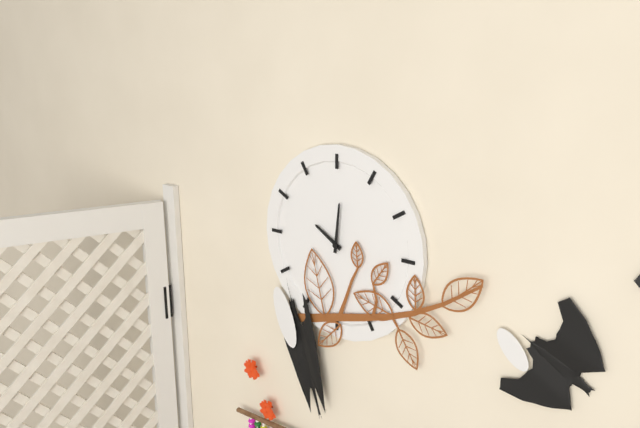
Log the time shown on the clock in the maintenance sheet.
10:01
